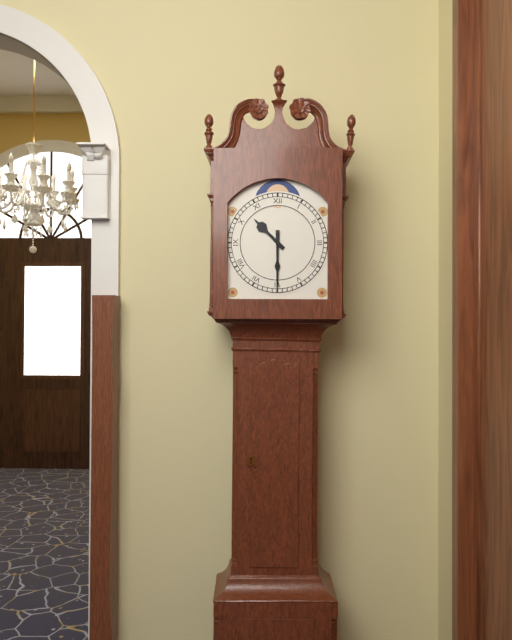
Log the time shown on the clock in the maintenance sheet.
10:30
